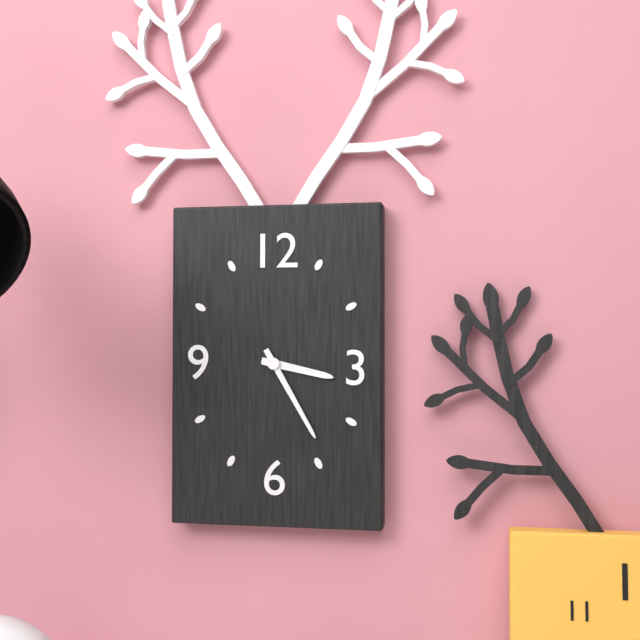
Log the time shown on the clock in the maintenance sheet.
3:25
